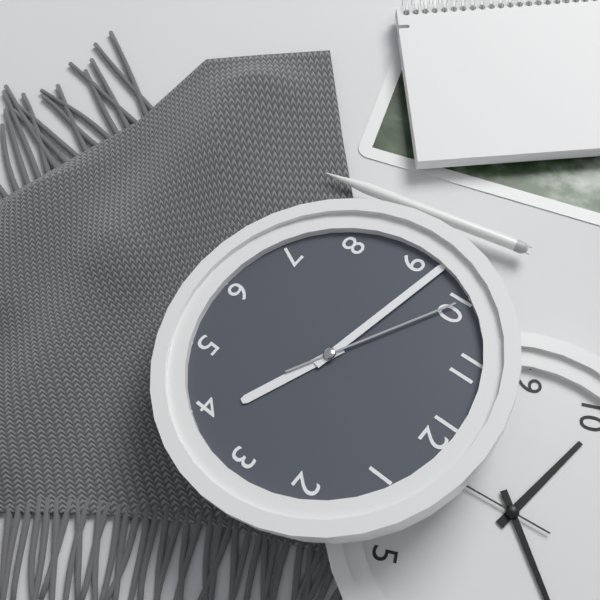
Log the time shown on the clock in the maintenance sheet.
3:47:50
